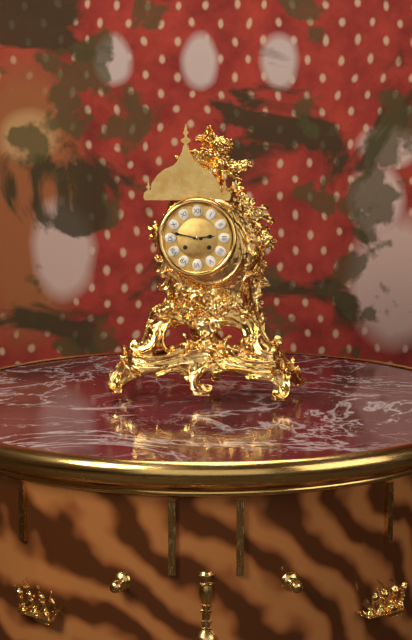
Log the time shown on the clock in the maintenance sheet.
2:47
